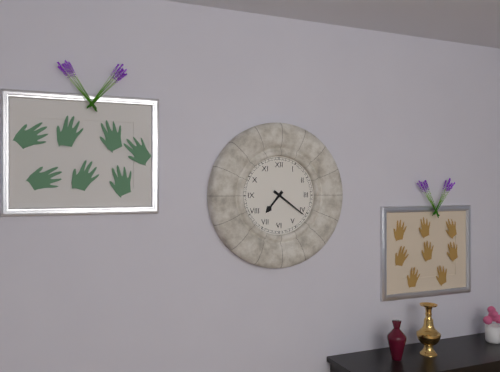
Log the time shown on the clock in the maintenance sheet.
7:21
